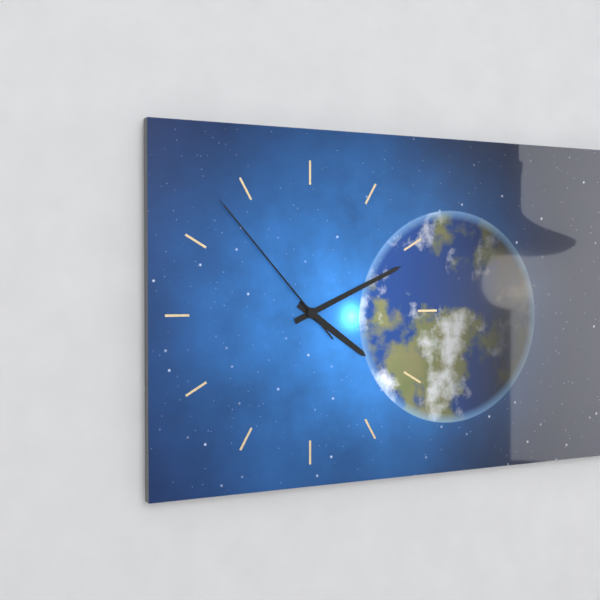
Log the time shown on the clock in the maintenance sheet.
4:11:53
